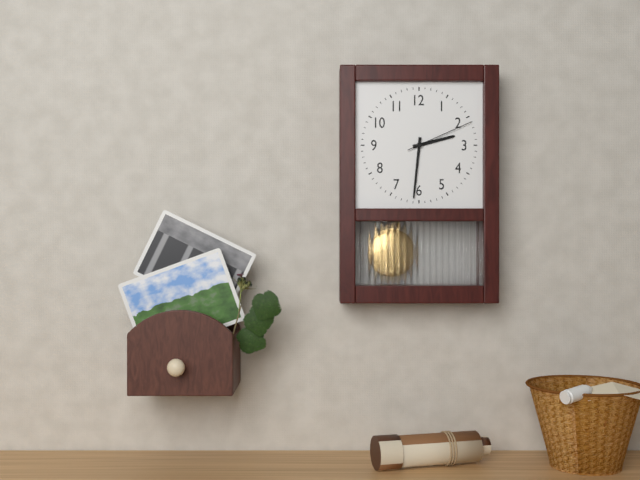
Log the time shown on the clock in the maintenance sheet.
2:31:11
